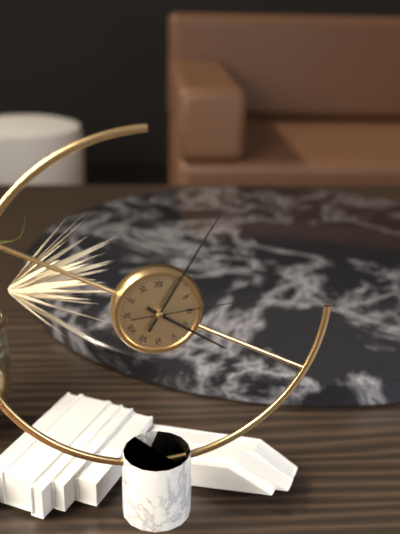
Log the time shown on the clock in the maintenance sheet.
4:05:14
